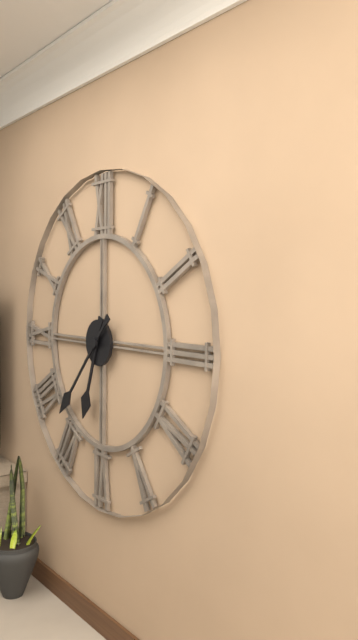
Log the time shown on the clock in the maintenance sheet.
6:37
